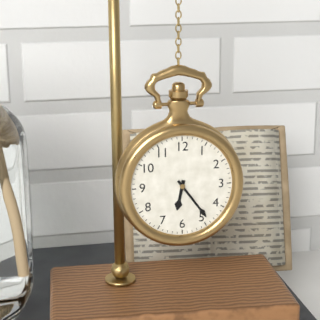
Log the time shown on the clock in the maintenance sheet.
6:24
